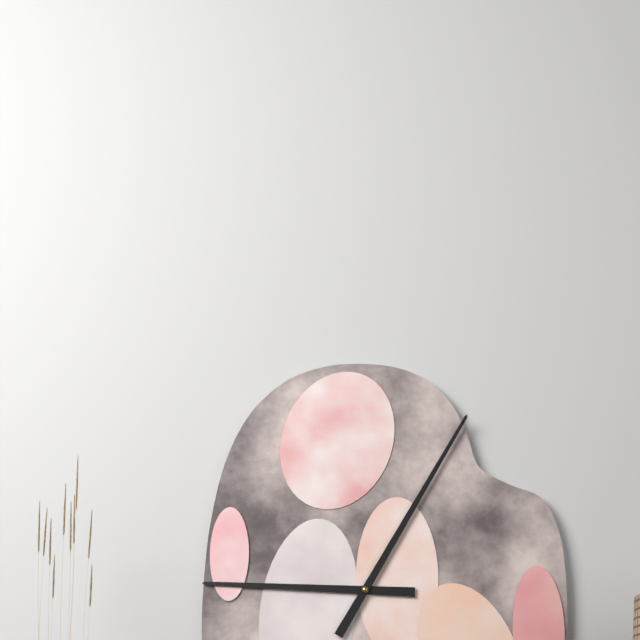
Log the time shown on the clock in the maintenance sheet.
9:05
